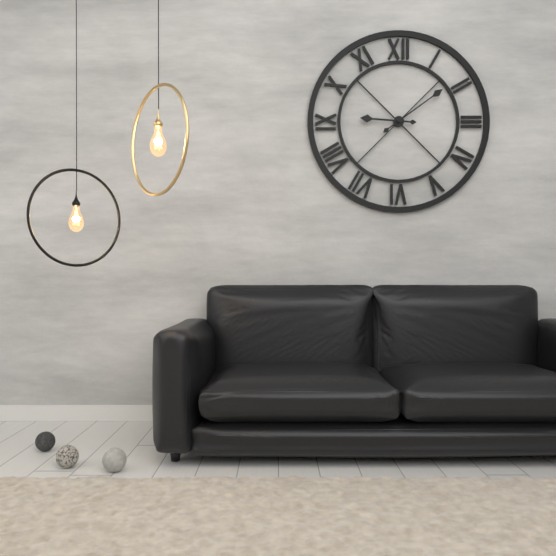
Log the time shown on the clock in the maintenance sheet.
9:09
